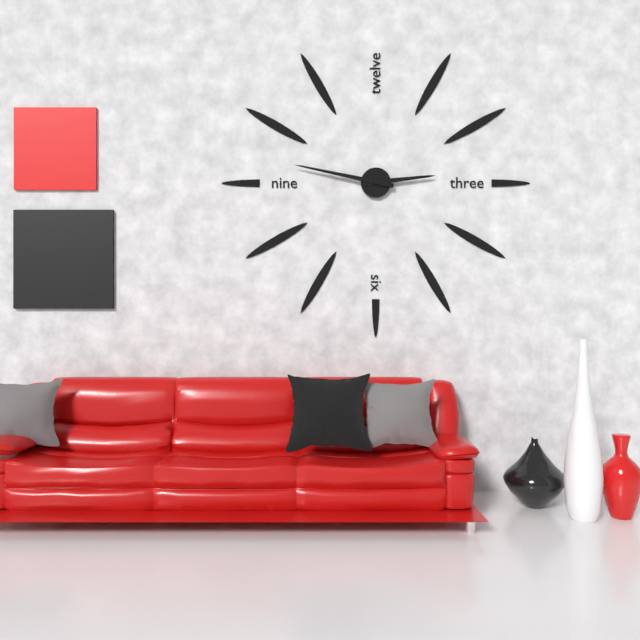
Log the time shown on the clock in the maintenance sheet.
2:47
